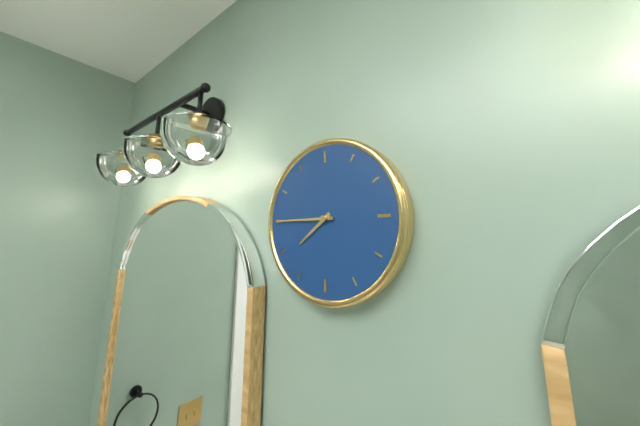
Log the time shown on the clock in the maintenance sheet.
7:45
